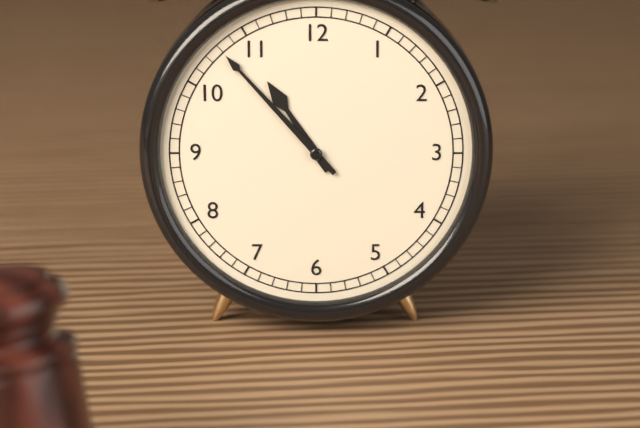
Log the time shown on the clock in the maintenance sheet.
10:53
